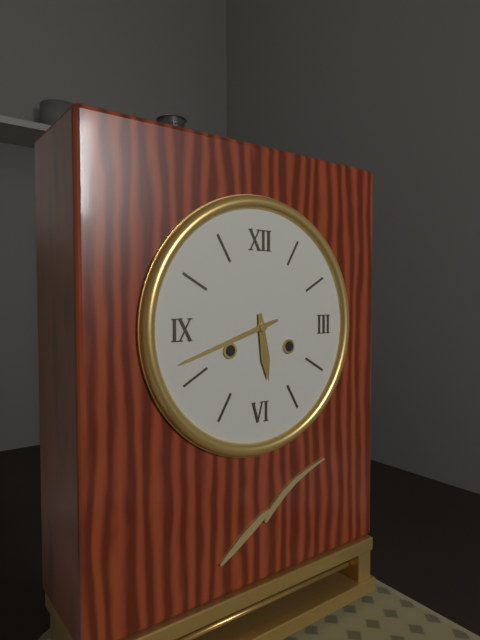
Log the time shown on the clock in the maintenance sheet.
5:42
